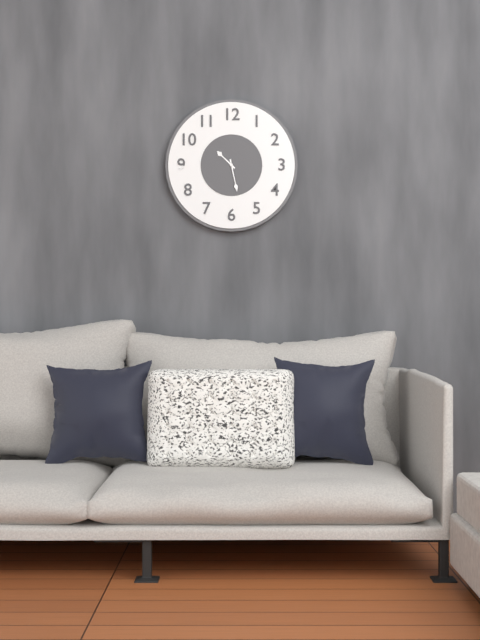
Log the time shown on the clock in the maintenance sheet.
10:28
